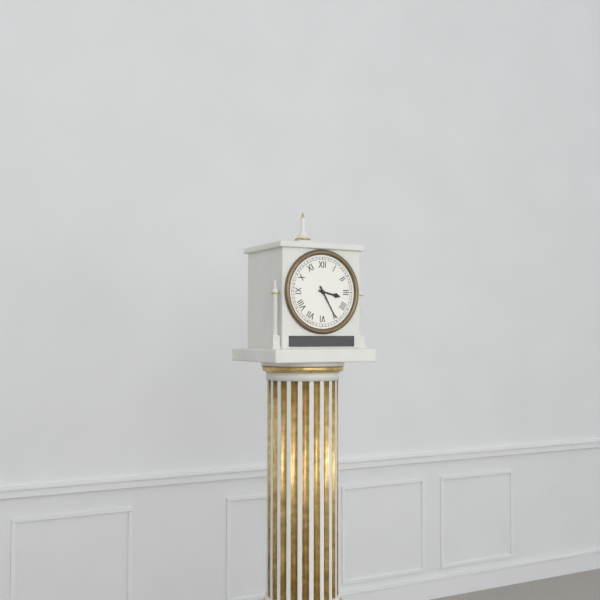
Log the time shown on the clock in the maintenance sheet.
3:25
